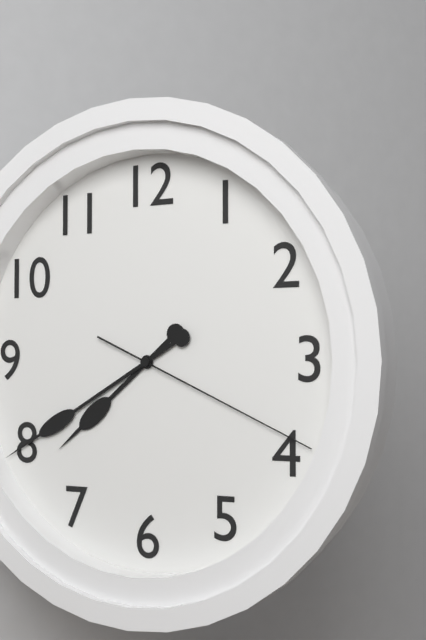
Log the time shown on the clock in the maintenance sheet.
7:40:19
